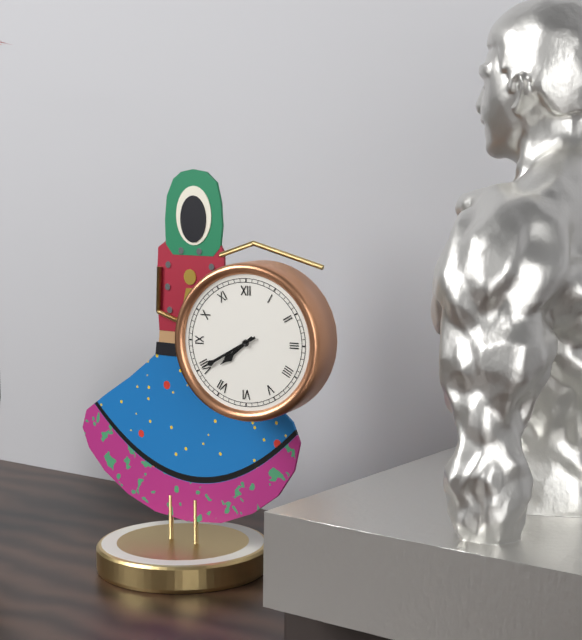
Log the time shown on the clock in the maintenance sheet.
7:40
